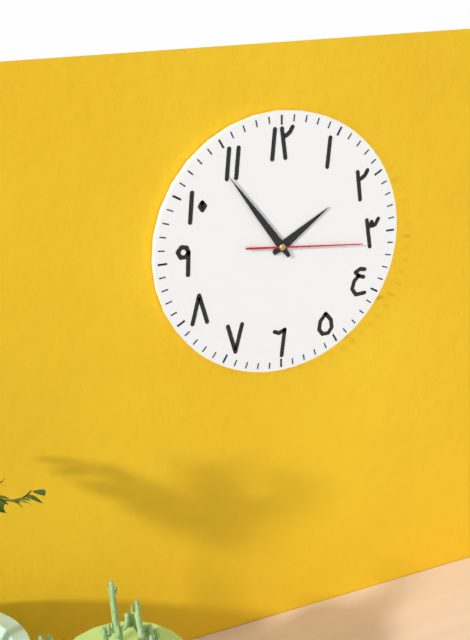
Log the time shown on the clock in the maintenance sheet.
1:54:16
